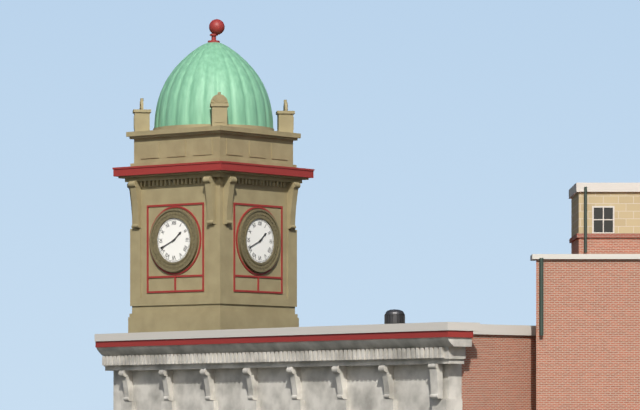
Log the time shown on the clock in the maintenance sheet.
1:41
